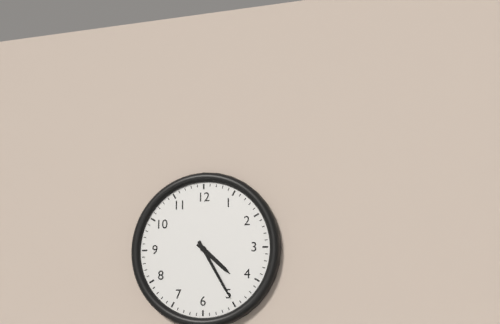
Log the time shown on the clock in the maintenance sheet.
4:25
